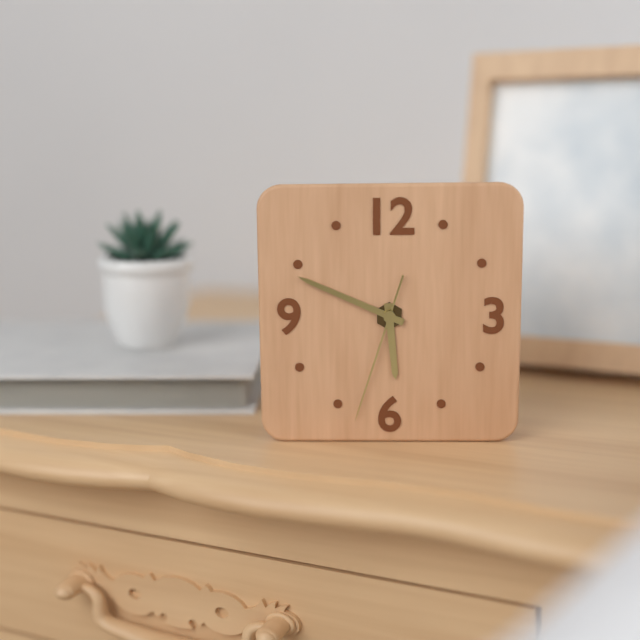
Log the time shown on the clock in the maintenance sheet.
5:49:33
